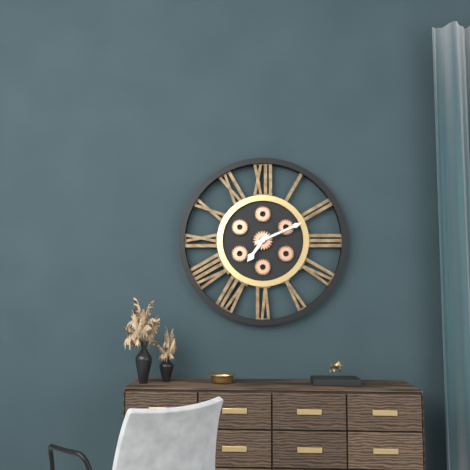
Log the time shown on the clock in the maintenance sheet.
7:11
